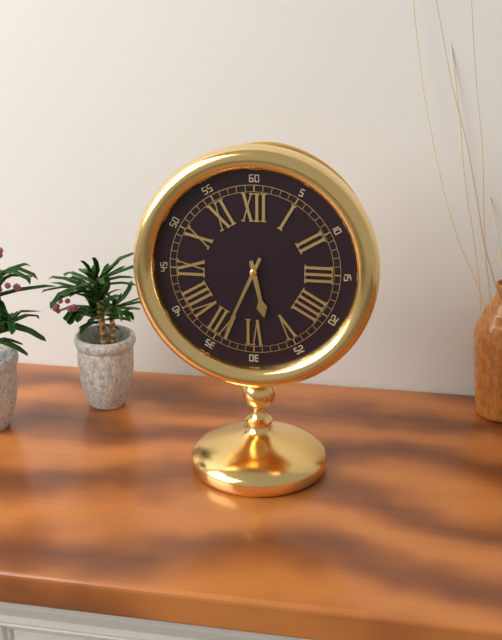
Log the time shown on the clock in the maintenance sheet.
5:34
